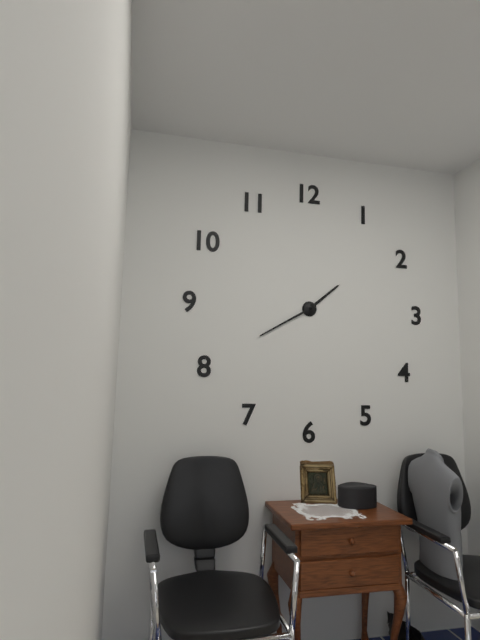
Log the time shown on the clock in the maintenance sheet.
1:40
